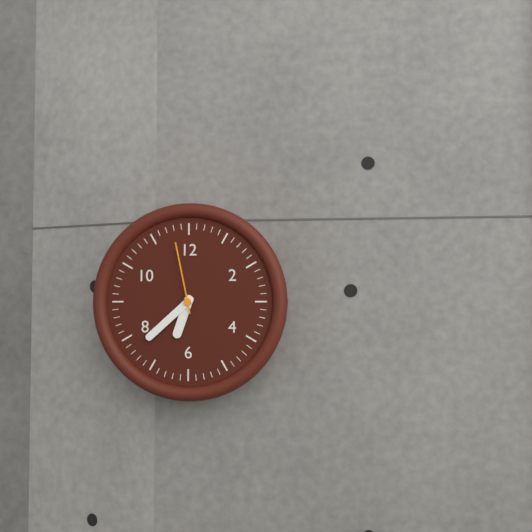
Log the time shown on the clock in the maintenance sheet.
6:38:58
